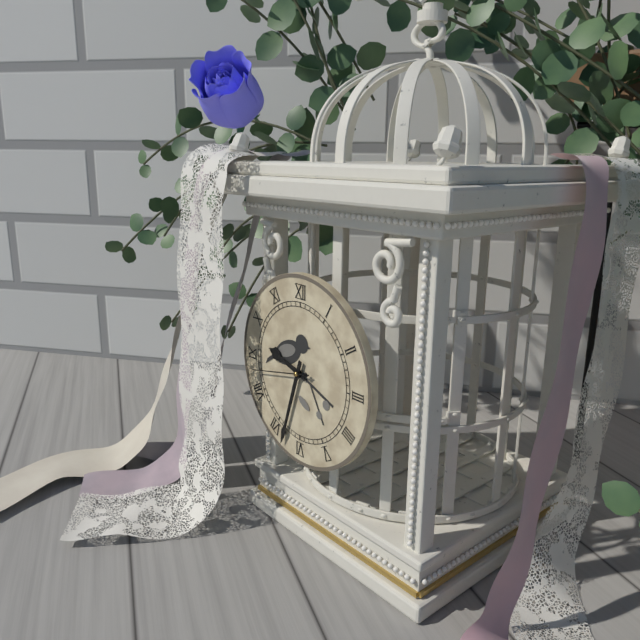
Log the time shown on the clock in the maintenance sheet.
9:33:43
